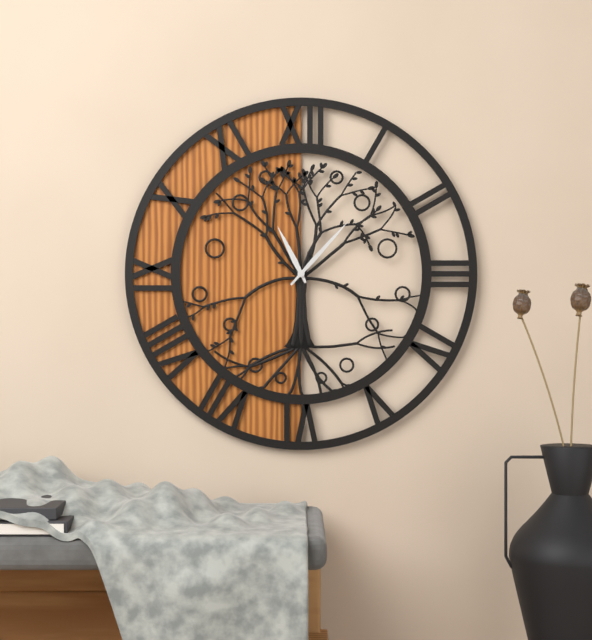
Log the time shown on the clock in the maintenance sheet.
11:07
